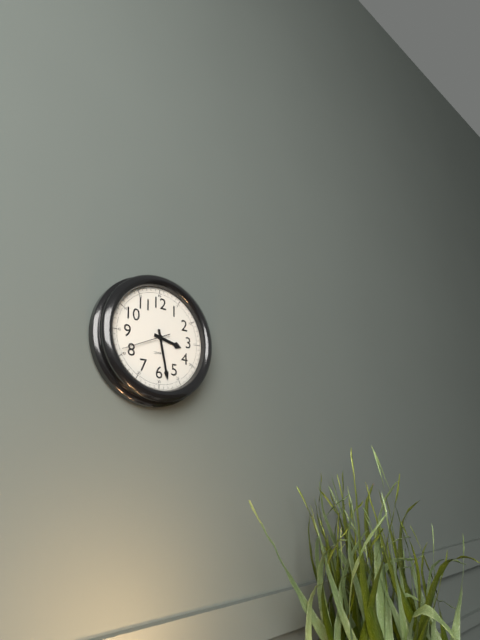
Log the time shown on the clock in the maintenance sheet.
3:28
